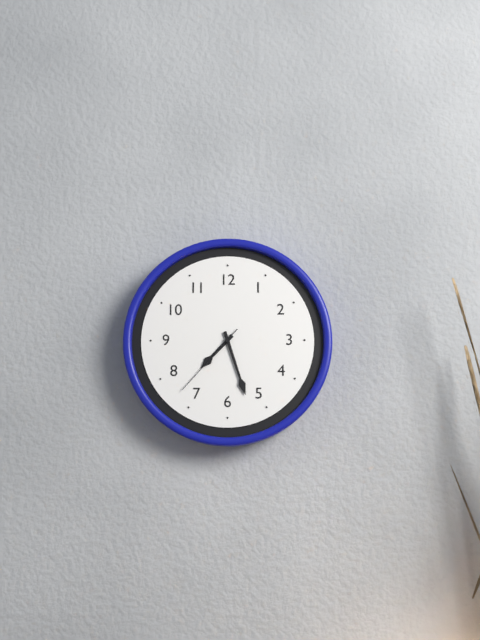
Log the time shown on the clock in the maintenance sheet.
7:27:37
